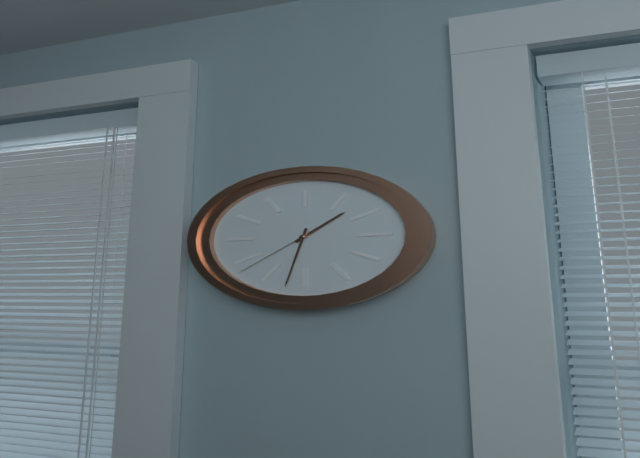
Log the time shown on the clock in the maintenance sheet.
1:32:38
